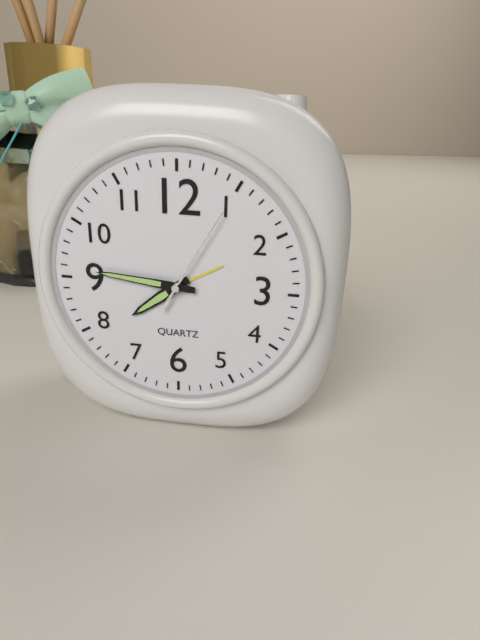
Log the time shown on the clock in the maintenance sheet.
7:46:05
